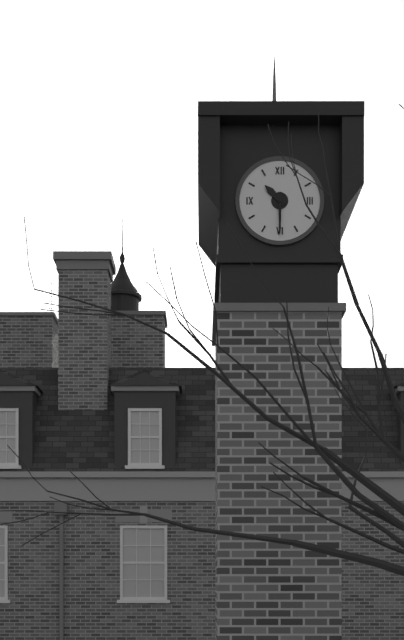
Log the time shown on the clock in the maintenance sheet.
10:30
